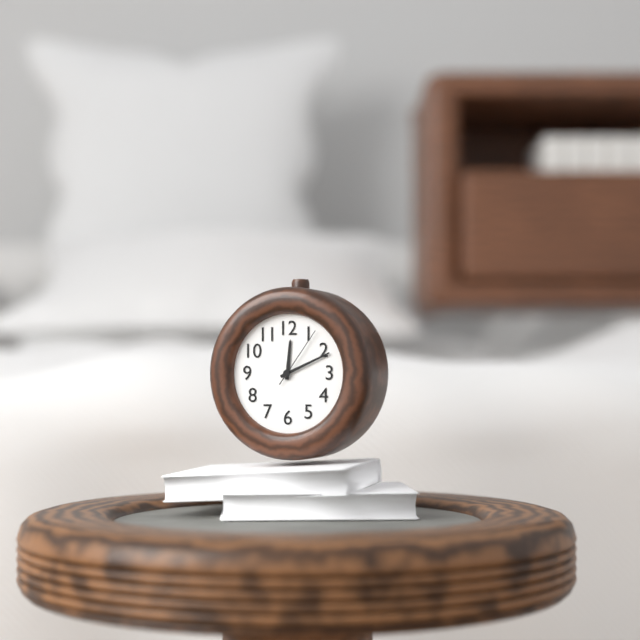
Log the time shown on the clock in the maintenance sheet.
12:11:06
